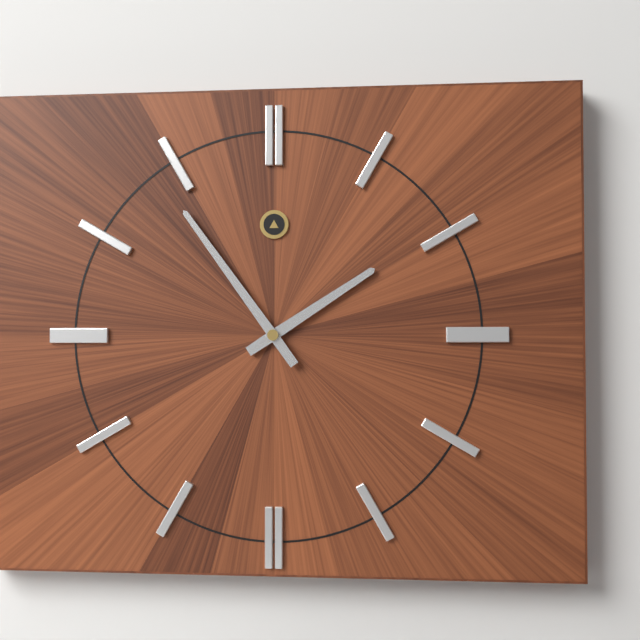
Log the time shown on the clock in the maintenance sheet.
1:54
